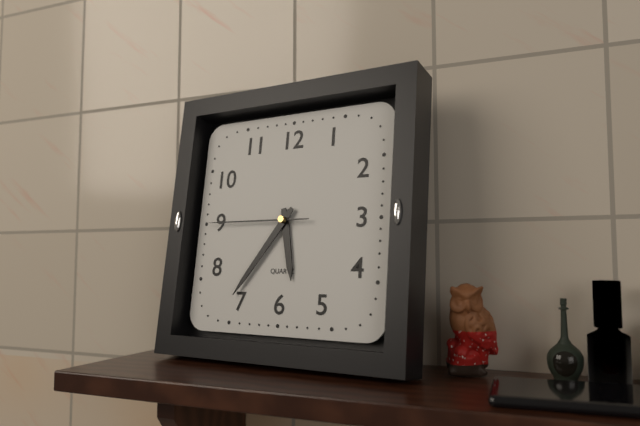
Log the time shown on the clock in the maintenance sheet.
5:36:45
